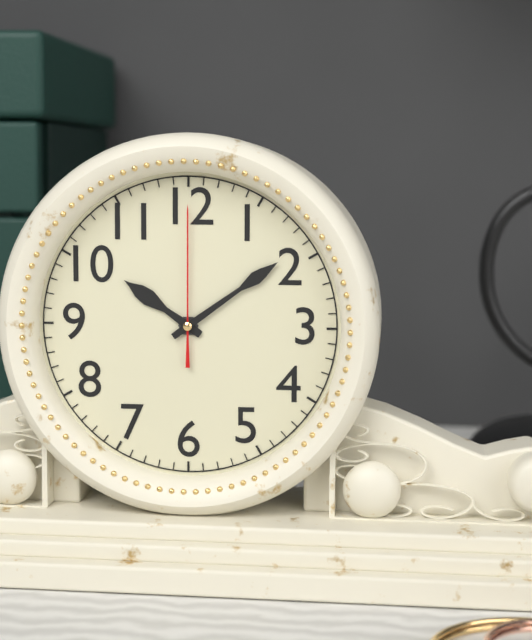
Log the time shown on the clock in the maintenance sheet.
10:09:00
